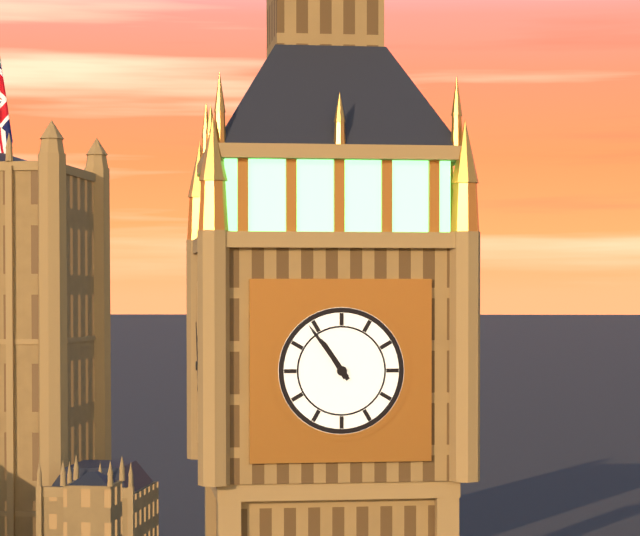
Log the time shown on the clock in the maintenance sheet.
10:54
